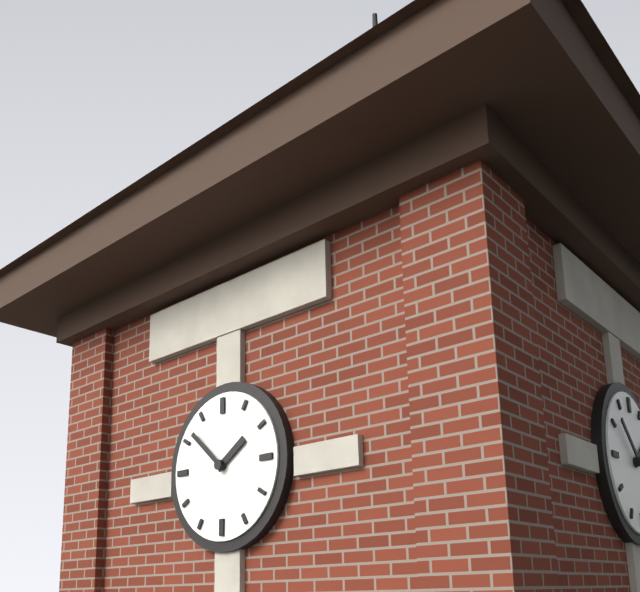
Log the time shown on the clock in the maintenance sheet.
1:52
